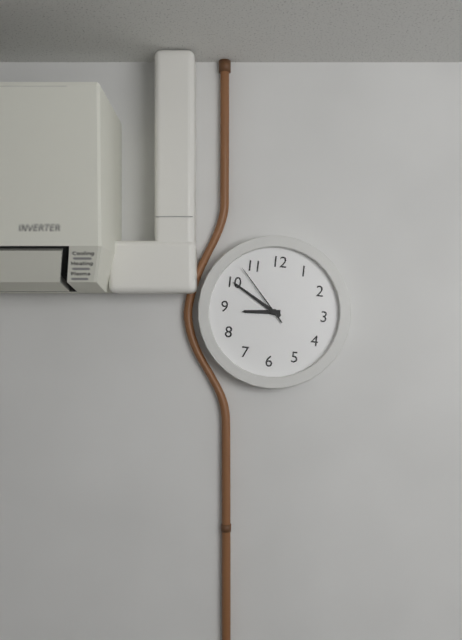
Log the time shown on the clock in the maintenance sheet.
8:50:53
